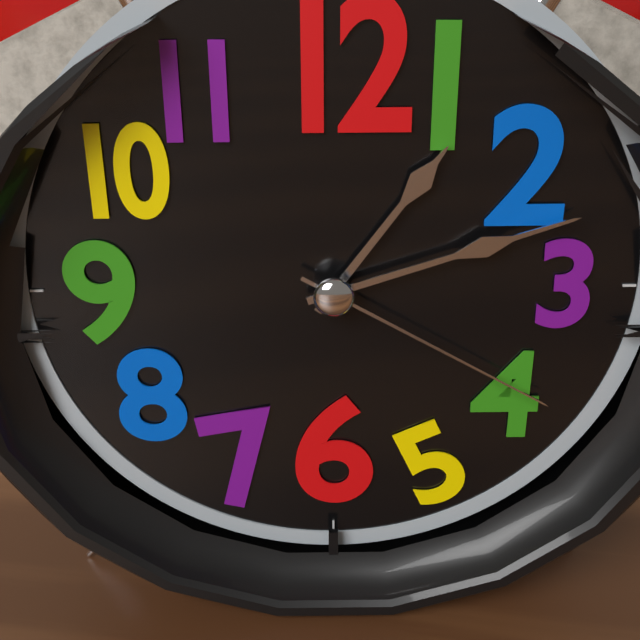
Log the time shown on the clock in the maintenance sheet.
1:12:20
